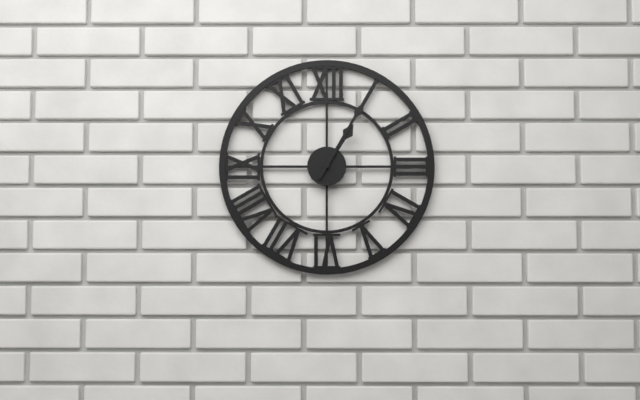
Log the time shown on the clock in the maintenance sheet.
1:05
